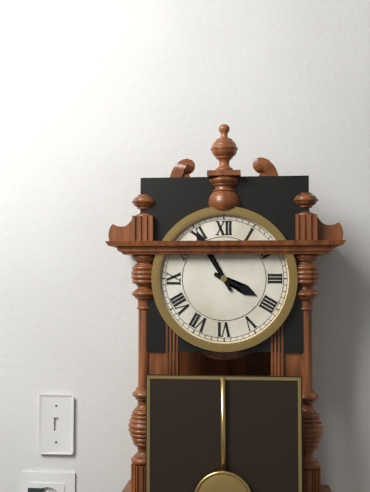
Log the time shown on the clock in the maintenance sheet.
3:55
